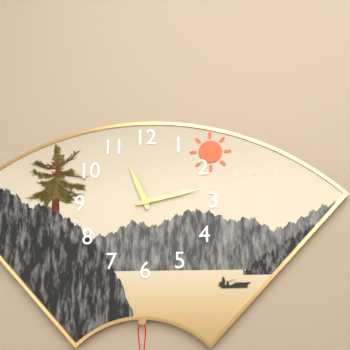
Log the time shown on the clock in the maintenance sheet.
11:13
